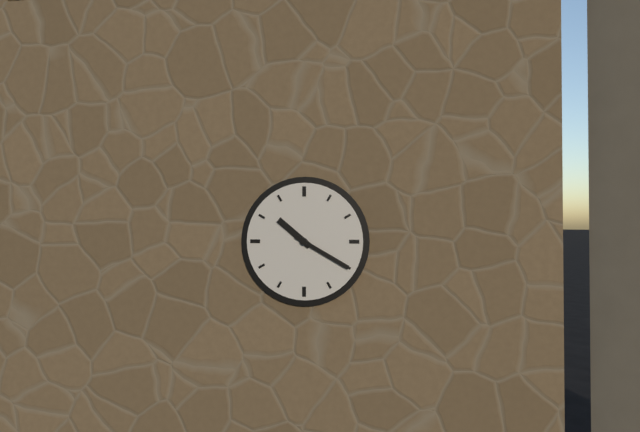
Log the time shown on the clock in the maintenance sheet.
10:20
